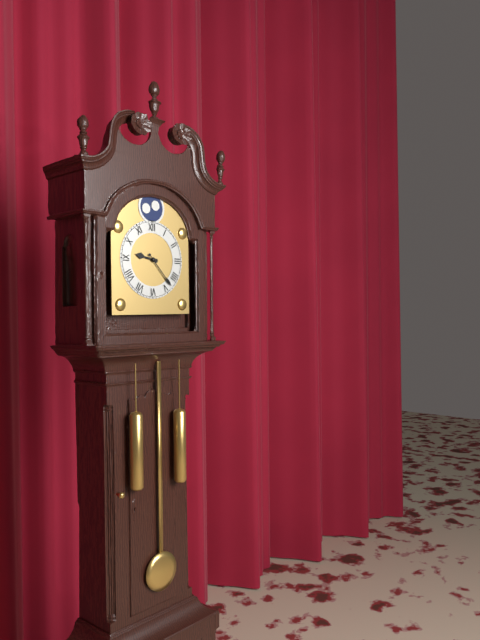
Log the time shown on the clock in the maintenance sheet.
9:23
